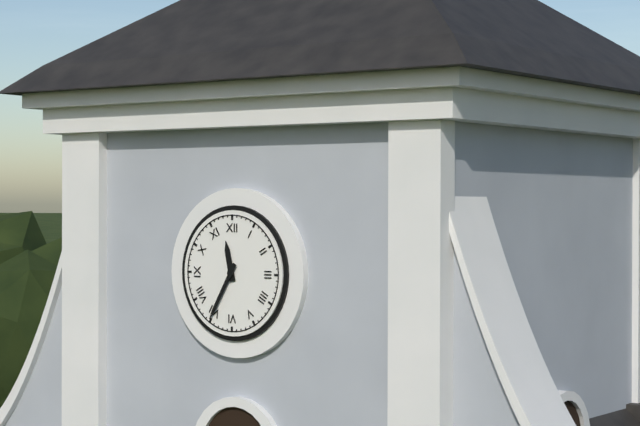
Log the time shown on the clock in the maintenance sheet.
11:35
